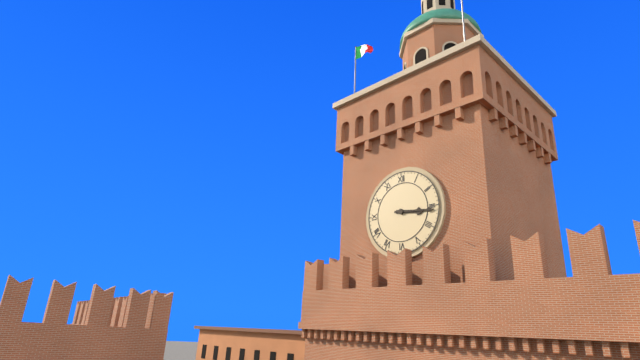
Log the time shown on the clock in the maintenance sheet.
3:16
